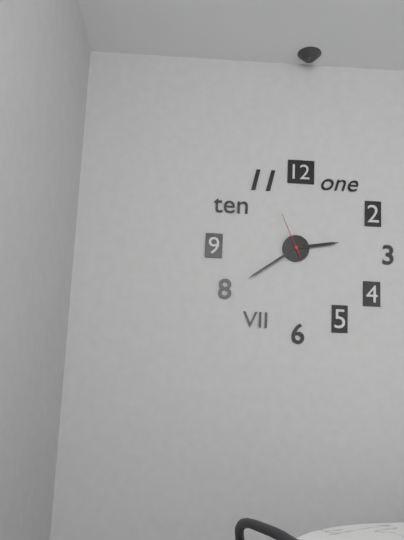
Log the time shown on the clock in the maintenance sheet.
2:39
